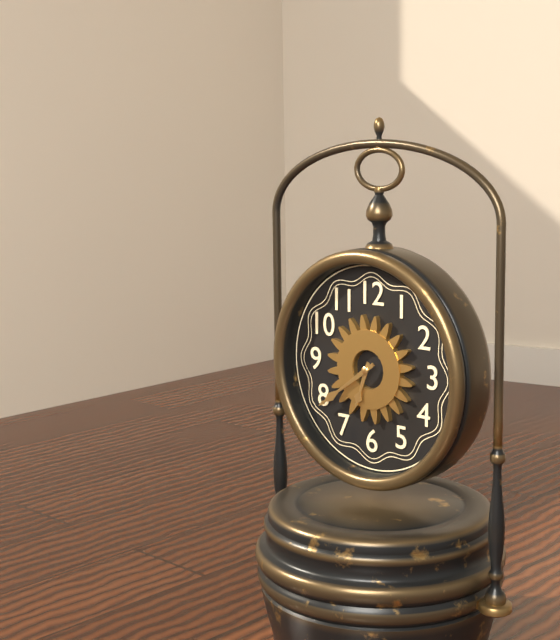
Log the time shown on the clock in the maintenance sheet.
6:39
